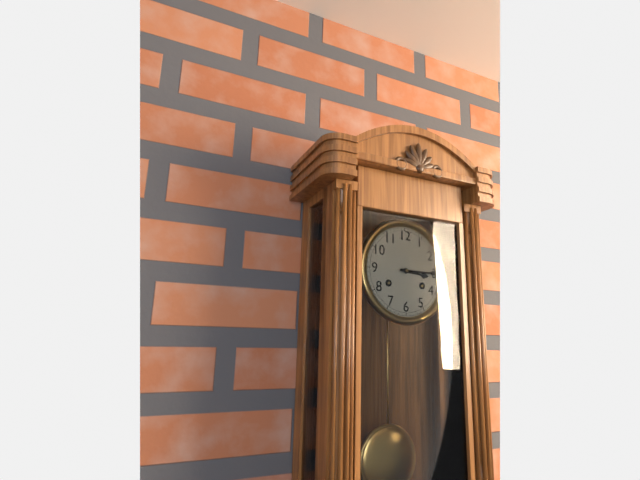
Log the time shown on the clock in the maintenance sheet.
3:15
